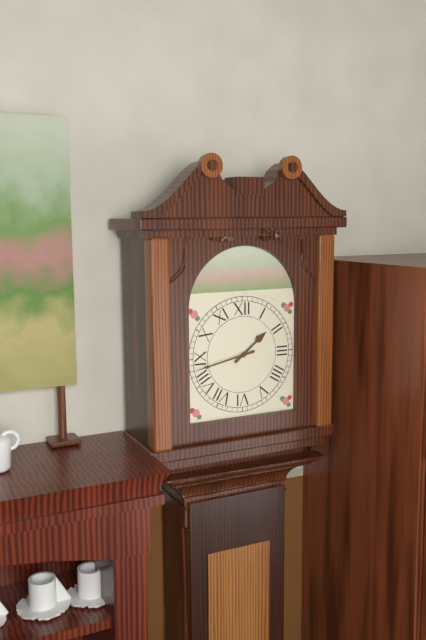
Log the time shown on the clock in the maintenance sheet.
1:43
